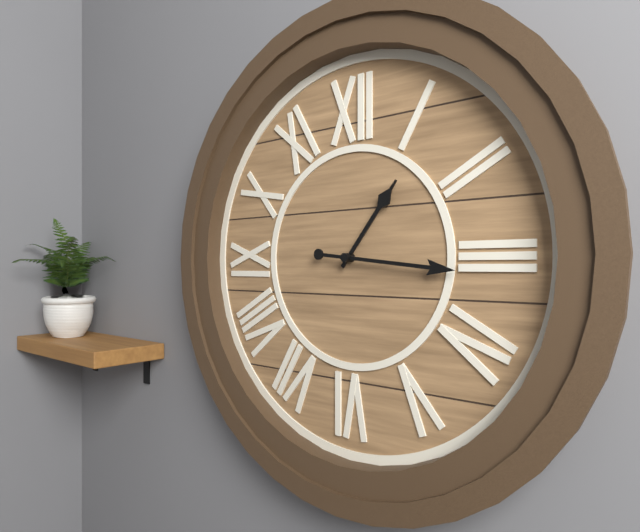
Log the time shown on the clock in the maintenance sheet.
1:16
